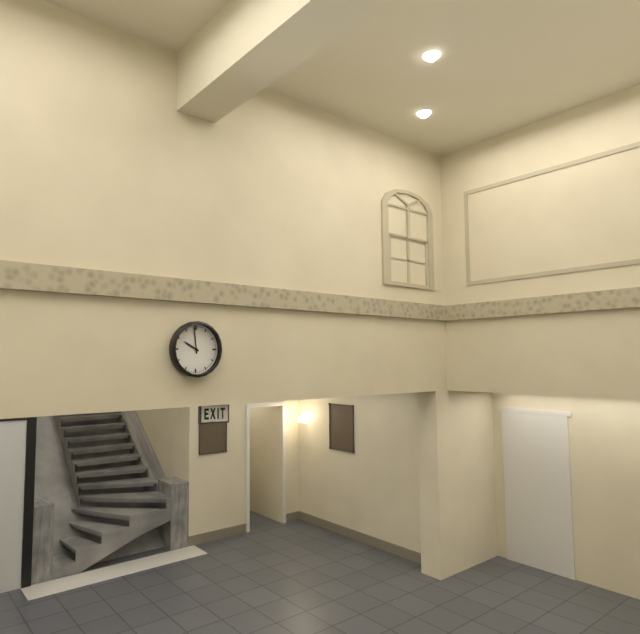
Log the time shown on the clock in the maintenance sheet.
9:59
